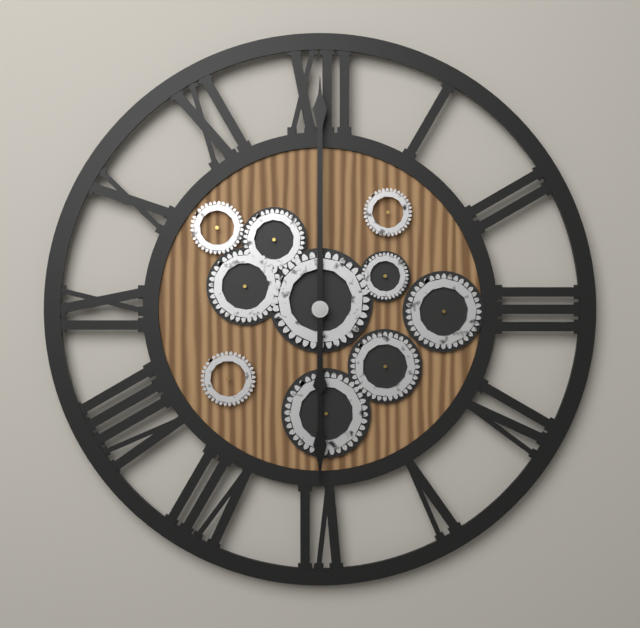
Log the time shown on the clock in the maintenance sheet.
6:00
